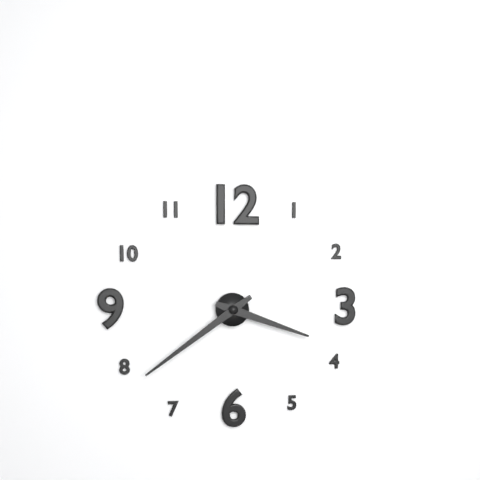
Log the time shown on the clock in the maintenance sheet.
3:39
